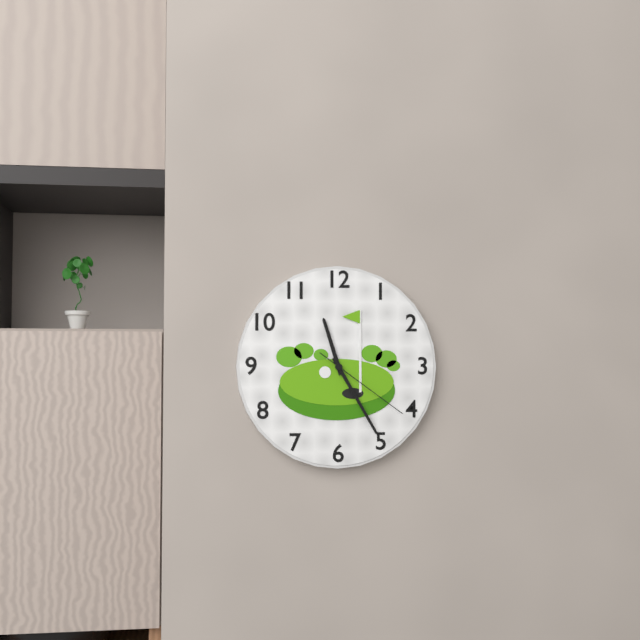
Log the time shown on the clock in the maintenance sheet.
11:25:21
